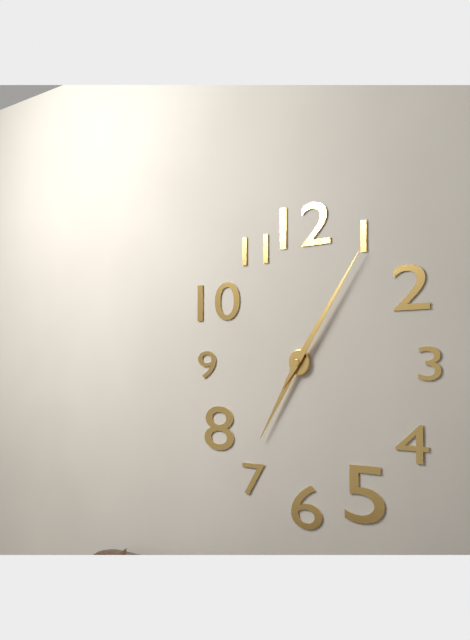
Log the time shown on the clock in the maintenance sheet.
7:06
